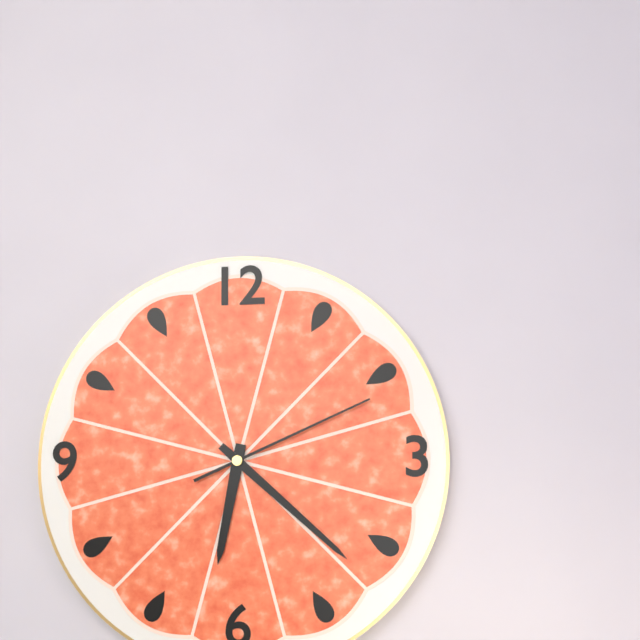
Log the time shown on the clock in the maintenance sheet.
6:22:11
